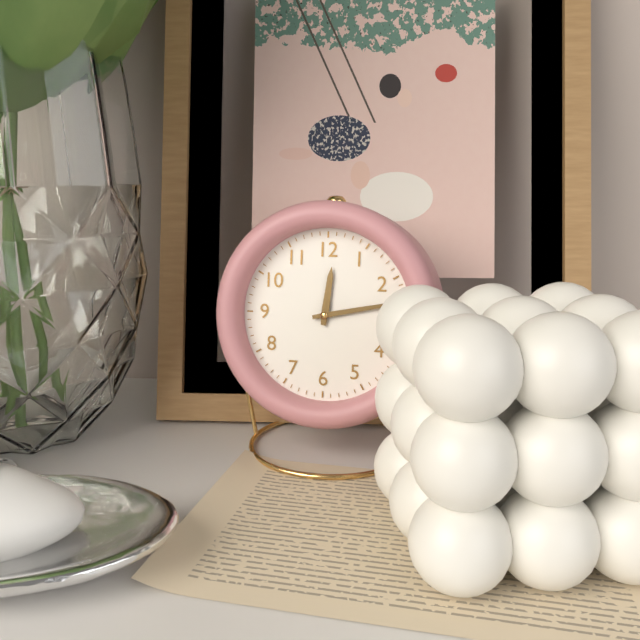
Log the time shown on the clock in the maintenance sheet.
12:13
